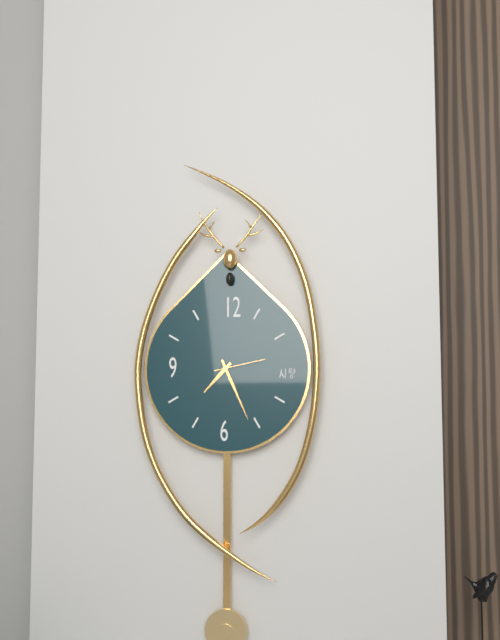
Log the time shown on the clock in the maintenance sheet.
7:26
